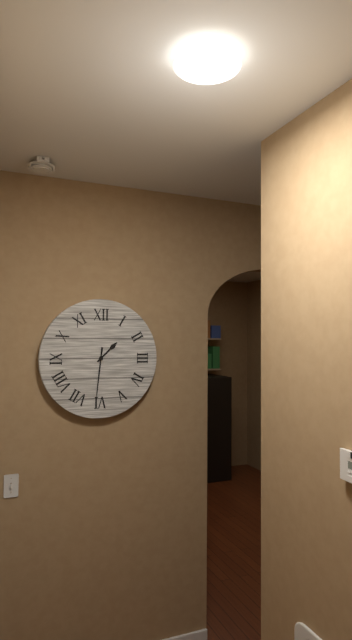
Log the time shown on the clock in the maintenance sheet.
1:31
